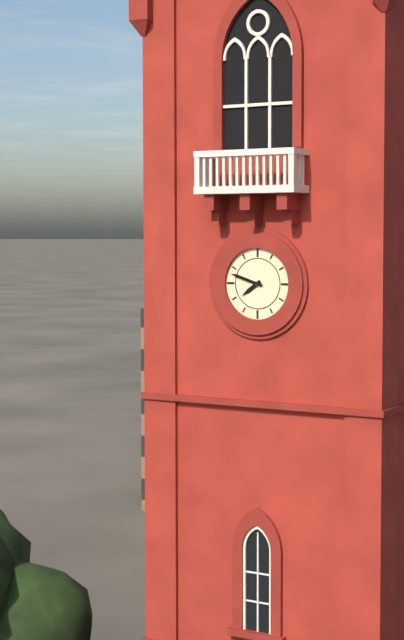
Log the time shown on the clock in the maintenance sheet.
7:48
